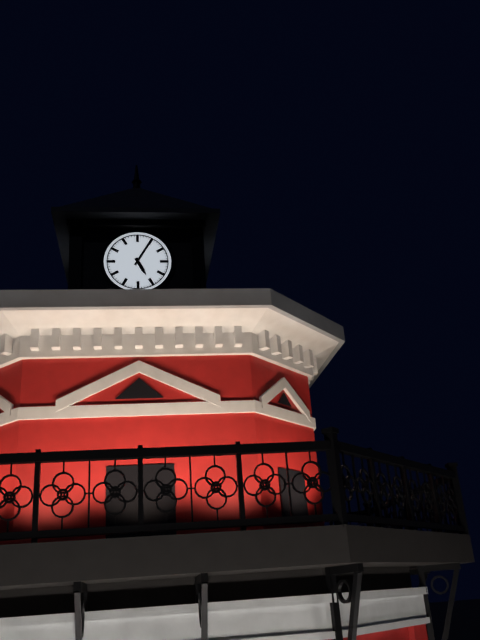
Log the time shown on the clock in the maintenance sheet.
5:05
